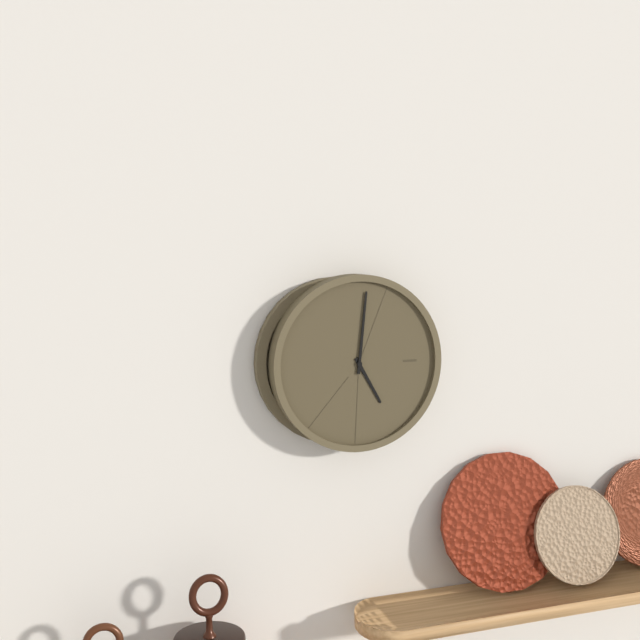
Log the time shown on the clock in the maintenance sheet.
5:01
